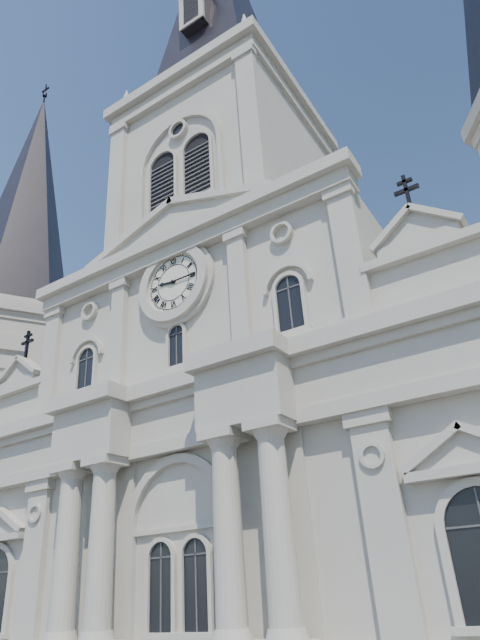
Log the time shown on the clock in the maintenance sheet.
9:15
